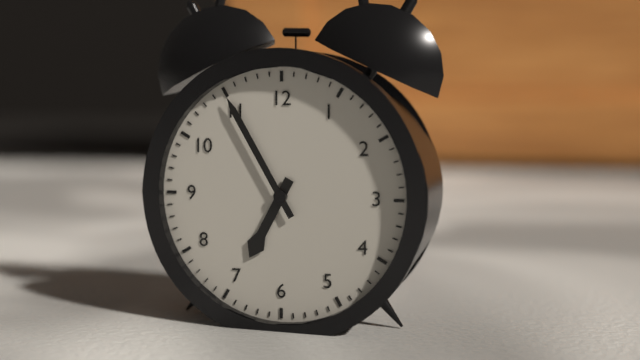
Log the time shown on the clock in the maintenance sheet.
6:55
